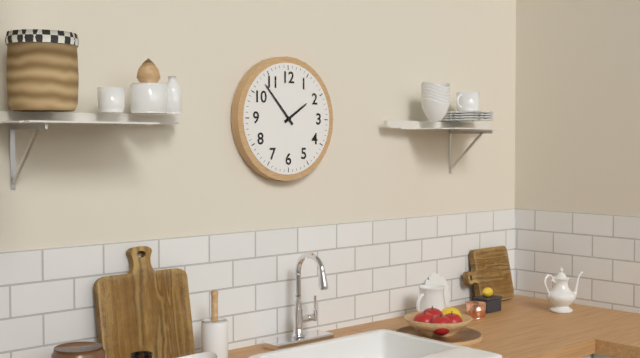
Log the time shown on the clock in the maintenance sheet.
1:53
